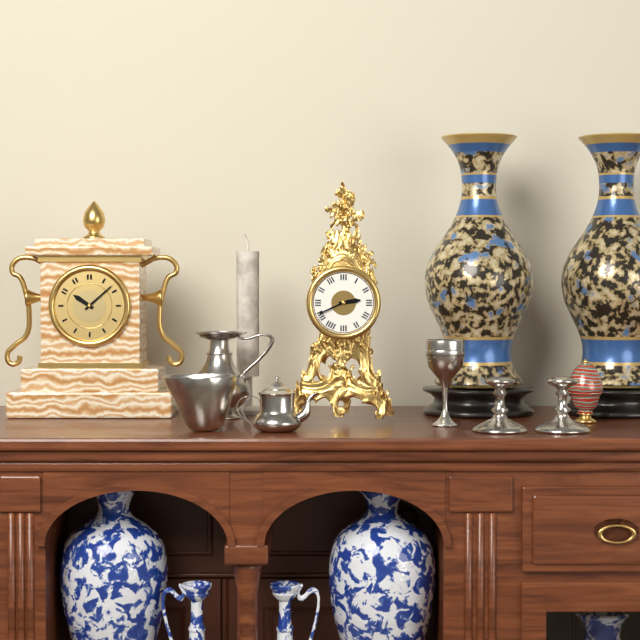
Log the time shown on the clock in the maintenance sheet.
2:41
